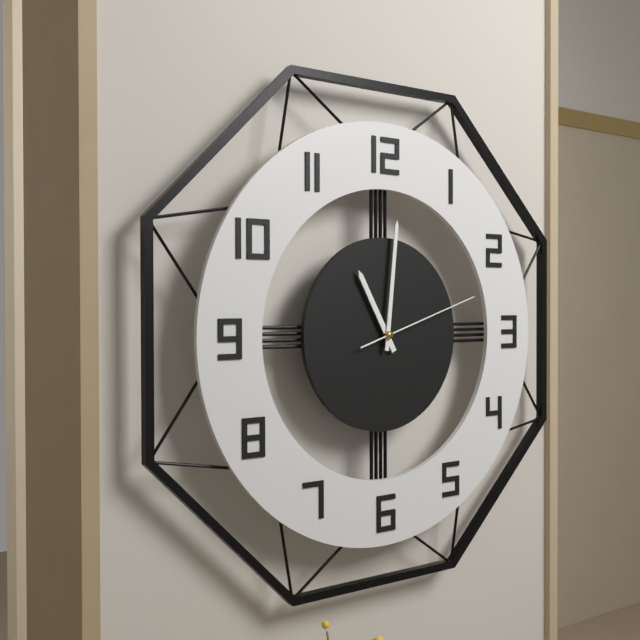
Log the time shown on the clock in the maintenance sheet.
11:01:12
